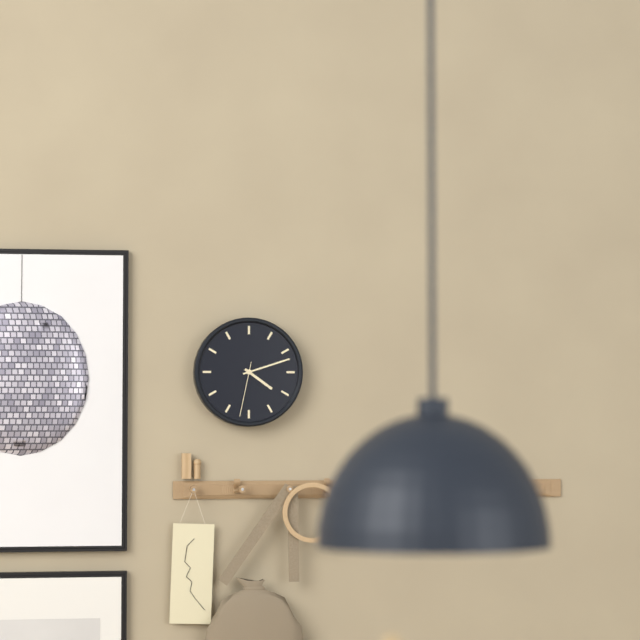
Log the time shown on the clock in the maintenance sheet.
4:12:32
